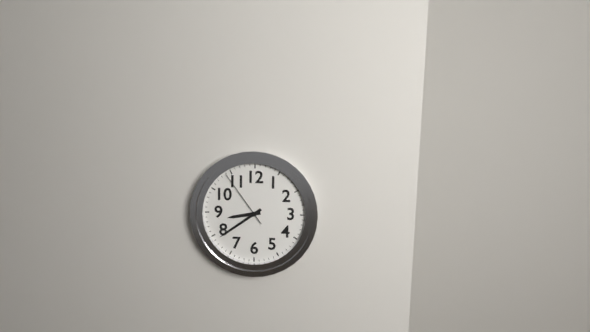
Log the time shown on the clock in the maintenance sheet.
8:39:54
